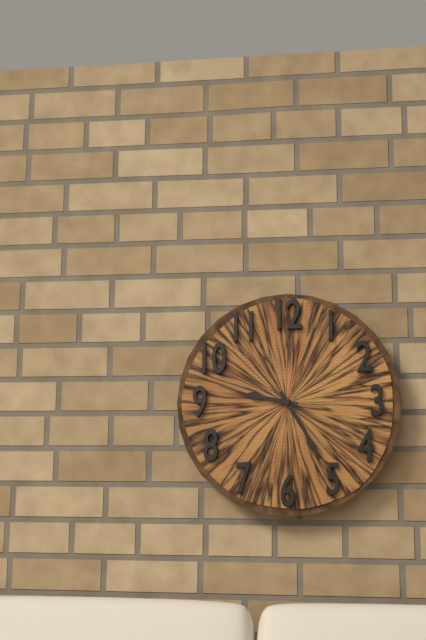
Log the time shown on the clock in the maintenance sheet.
9:25:02
